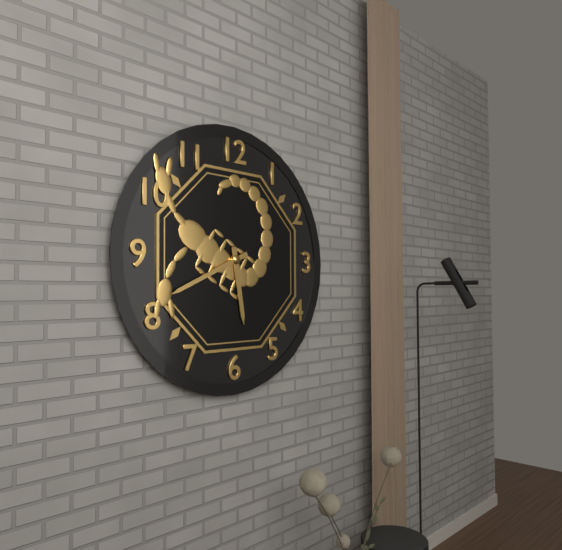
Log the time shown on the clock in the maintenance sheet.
5:41
